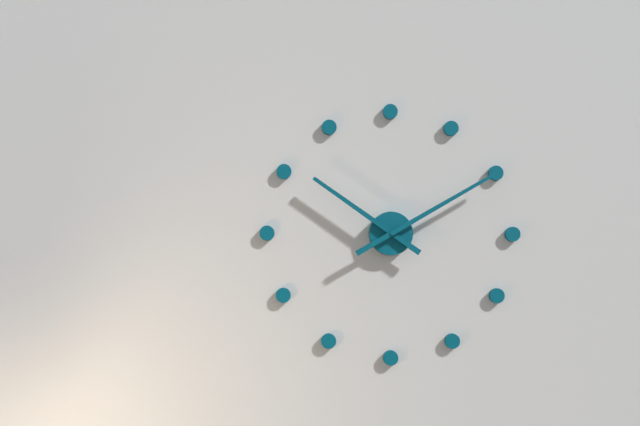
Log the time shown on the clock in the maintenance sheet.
10:10
